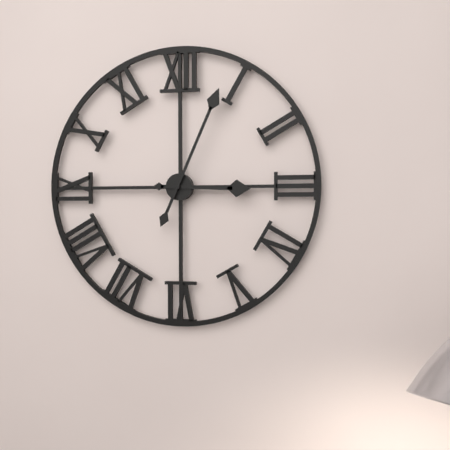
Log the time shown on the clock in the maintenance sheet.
3:04
